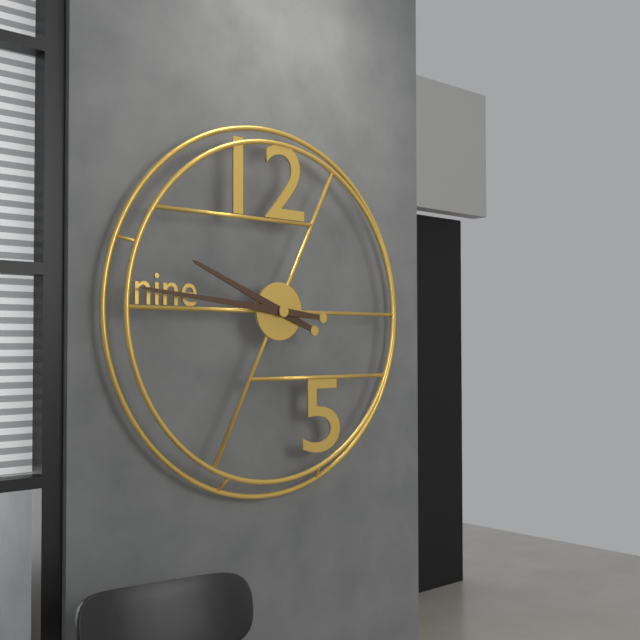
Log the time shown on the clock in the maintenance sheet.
9:46
